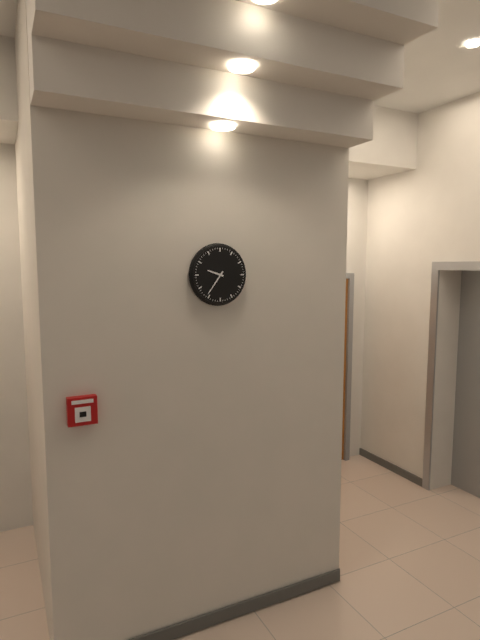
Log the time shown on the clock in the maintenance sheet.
9:36
